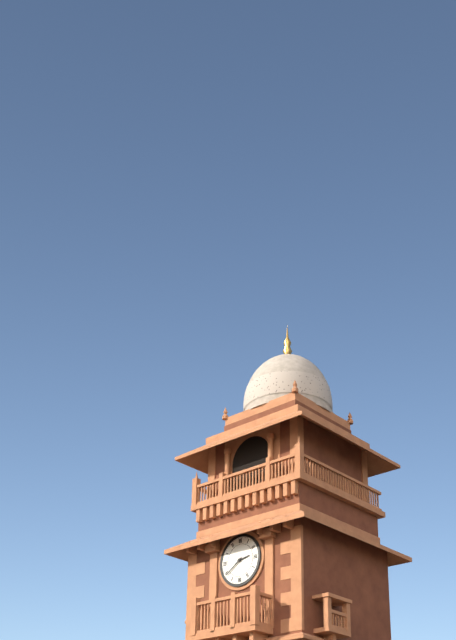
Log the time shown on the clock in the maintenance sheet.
2:39
